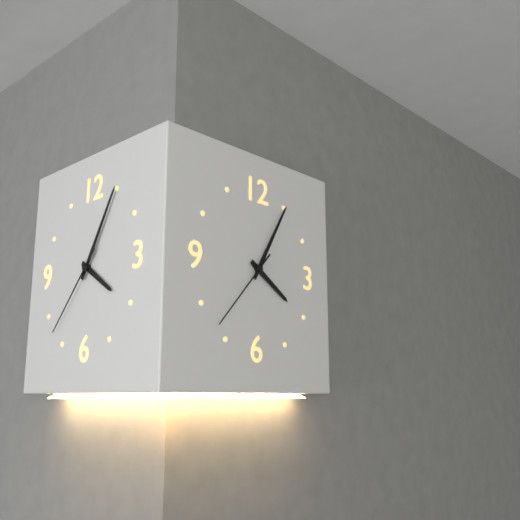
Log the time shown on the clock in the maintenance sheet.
4:05:37
